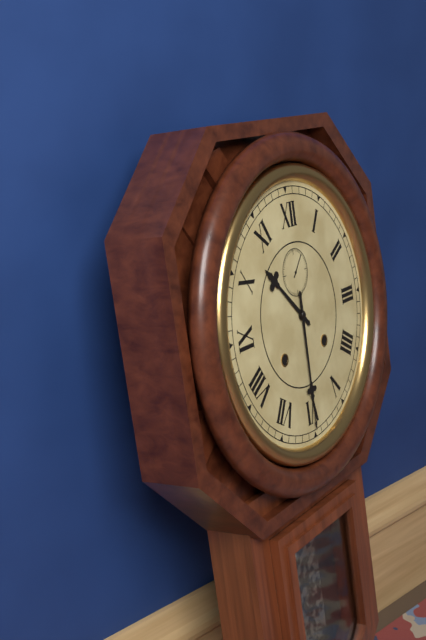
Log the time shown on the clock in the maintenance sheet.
10:30
